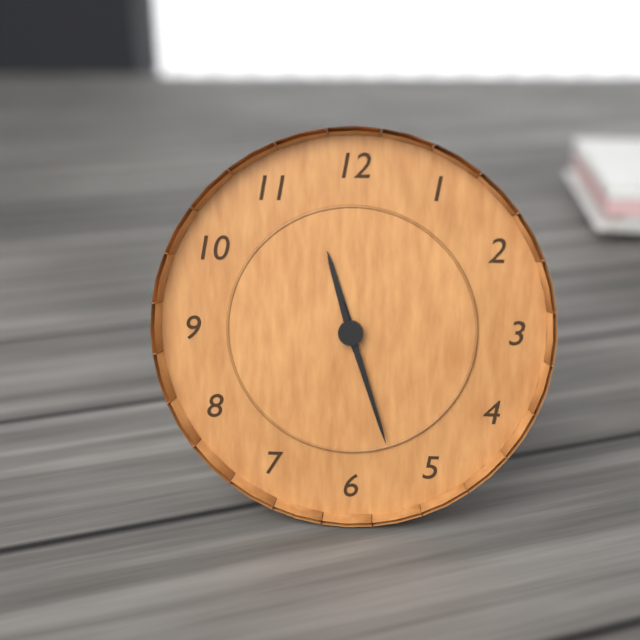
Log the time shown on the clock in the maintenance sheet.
11:27
